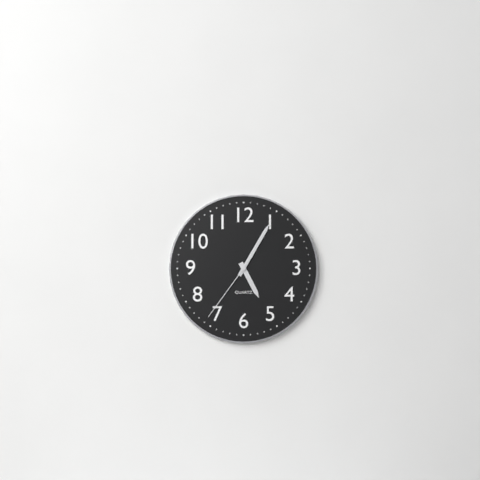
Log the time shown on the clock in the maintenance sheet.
5:05:36
